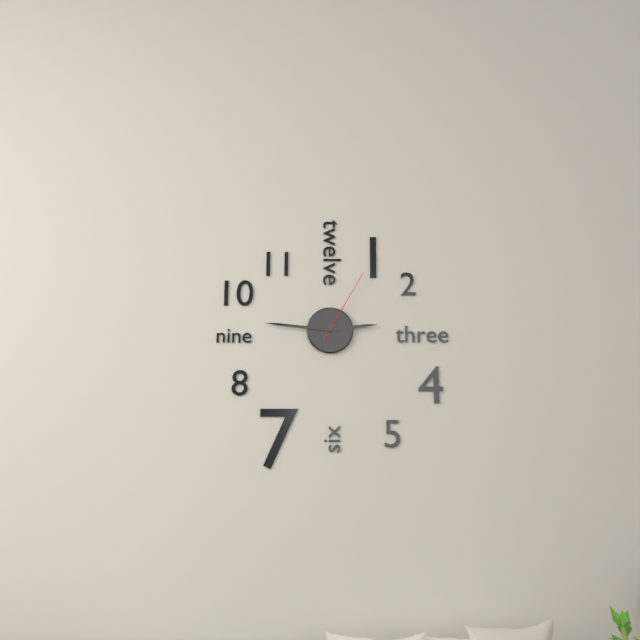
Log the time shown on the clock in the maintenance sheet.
2:46:05
